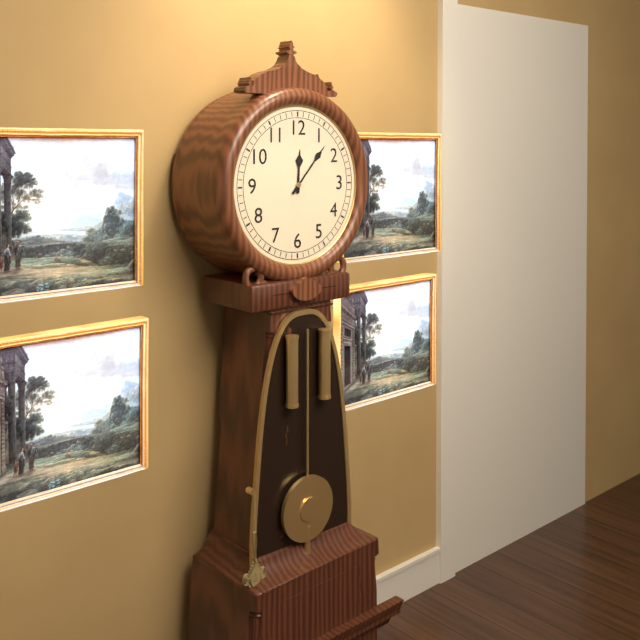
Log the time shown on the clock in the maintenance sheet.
12:07
